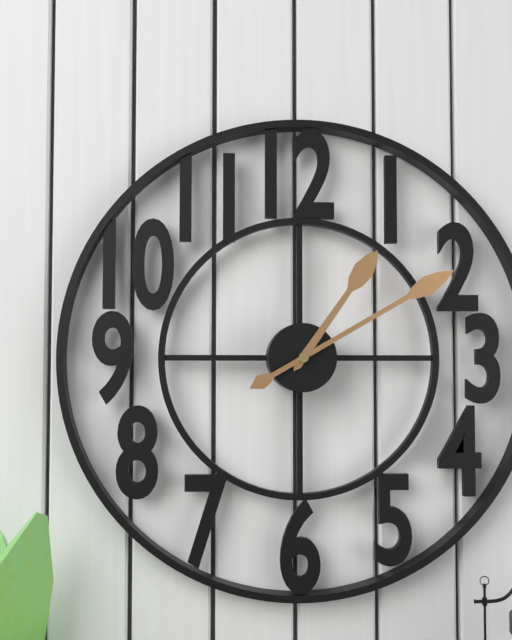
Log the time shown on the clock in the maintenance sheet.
1:10
